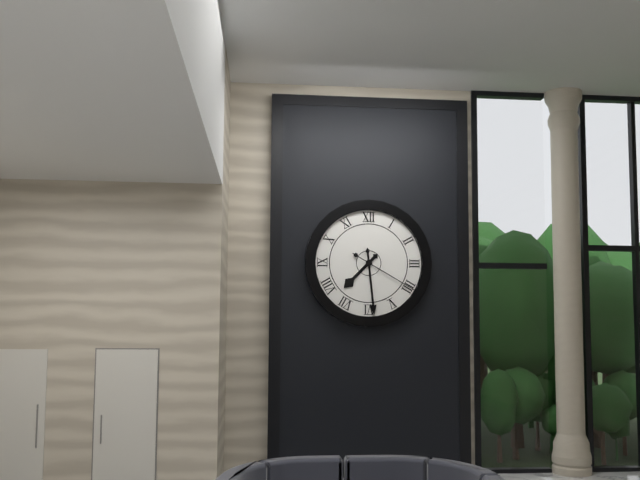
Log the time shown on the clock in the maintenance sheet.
7:29:20
